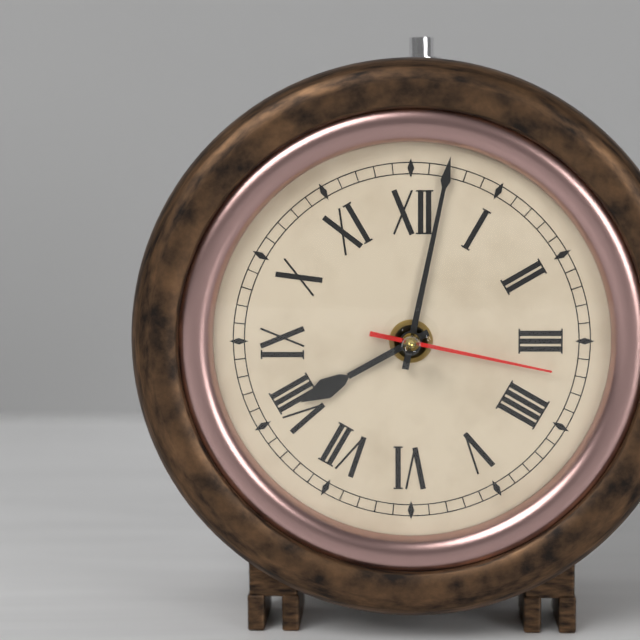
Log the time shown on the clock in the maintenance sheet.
8:02:17
